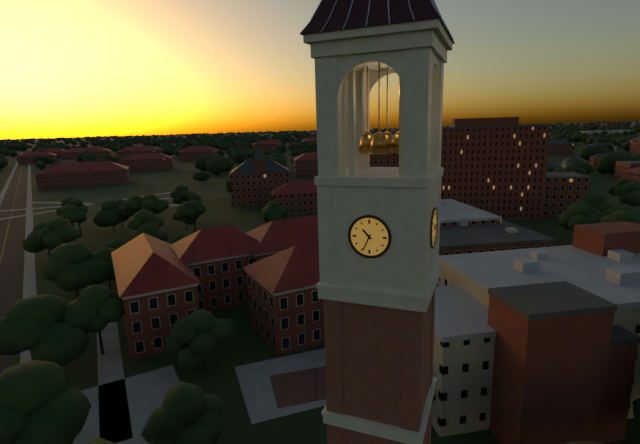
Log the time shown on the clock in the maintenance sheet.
10:34
